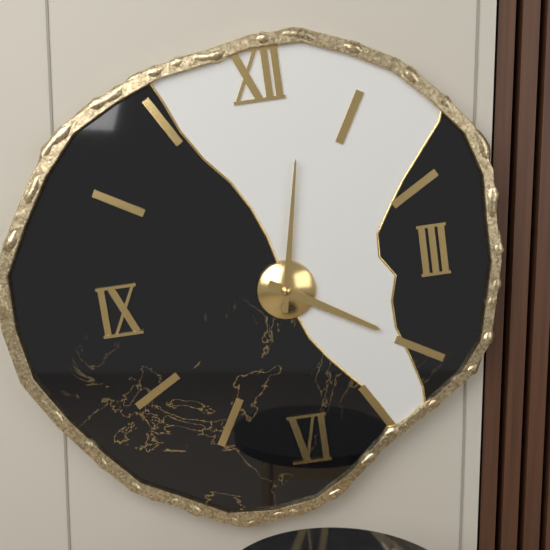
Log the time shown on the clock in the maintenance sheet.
4:02
